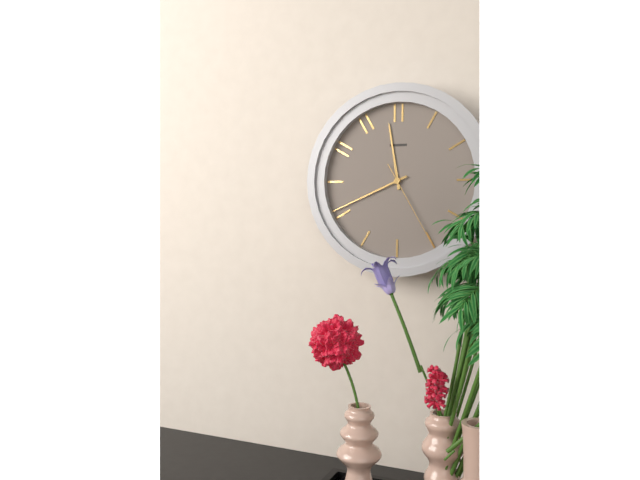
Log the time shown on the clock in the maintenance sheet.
11:41:25
